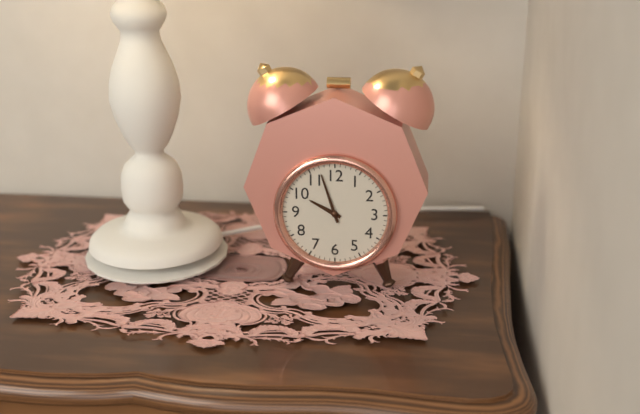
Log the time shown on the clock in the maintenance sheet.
9:57
